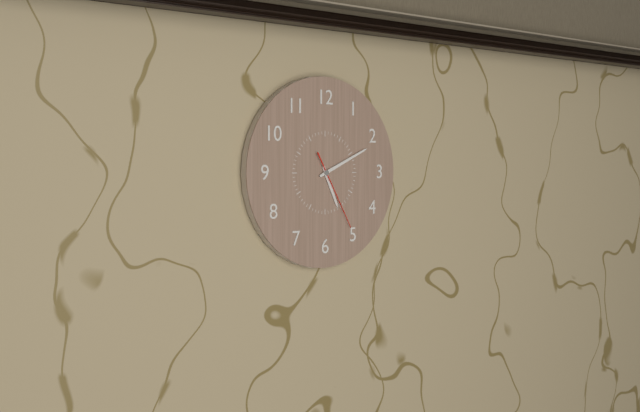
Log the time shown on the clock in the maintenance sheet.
5:11:25
